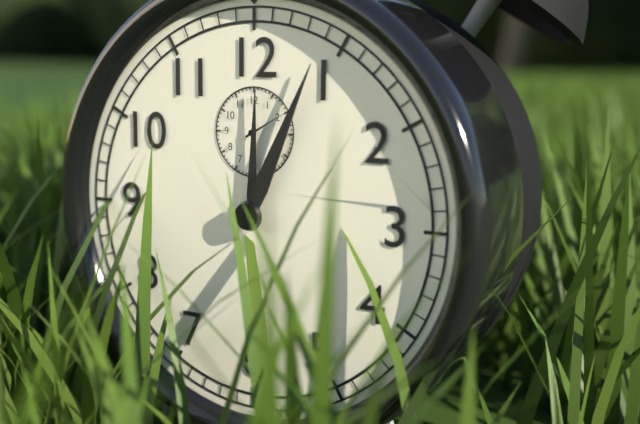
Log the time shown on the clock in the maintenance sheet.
12:04
